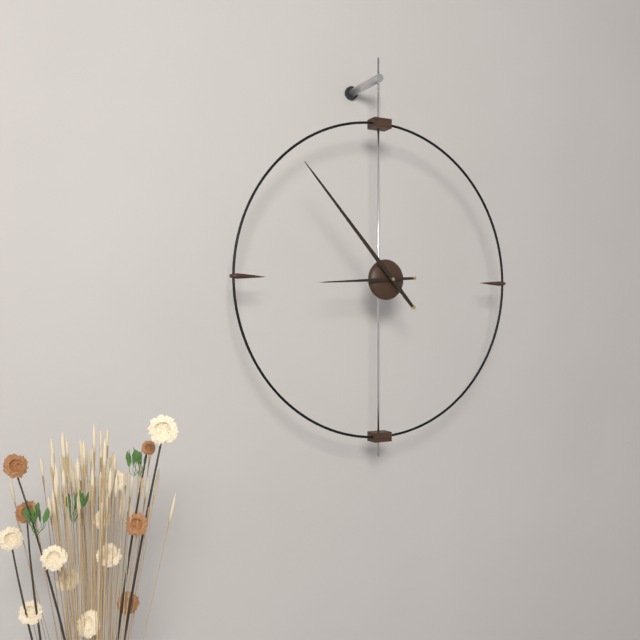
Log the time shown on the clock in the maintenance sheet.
8:53
